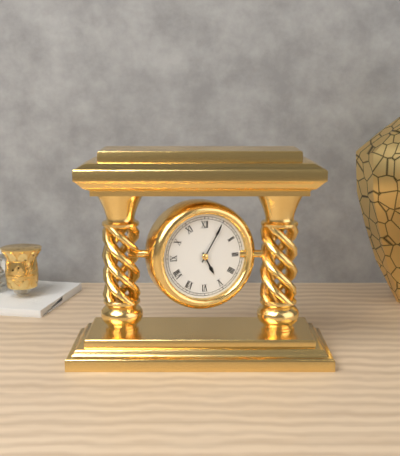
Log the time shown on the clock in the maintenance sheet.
5:05
